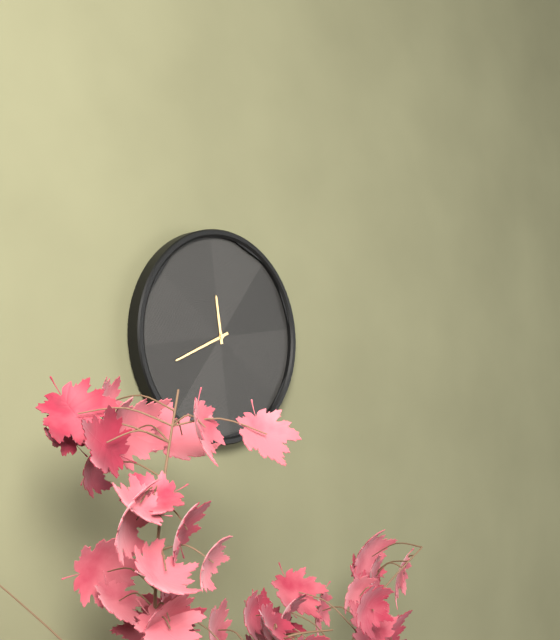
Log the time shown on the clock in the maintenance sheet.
11:41
